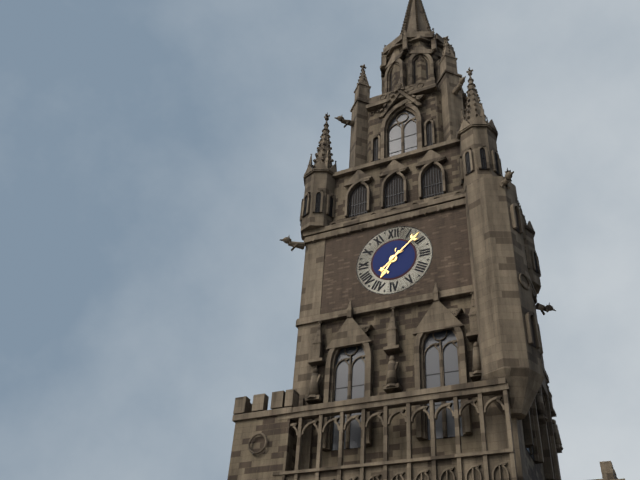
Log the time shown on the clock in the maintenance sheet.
7:08
